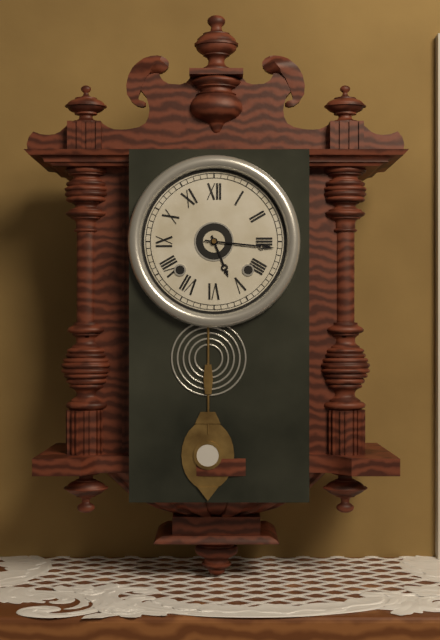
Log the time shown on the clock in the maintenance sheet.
5:16
